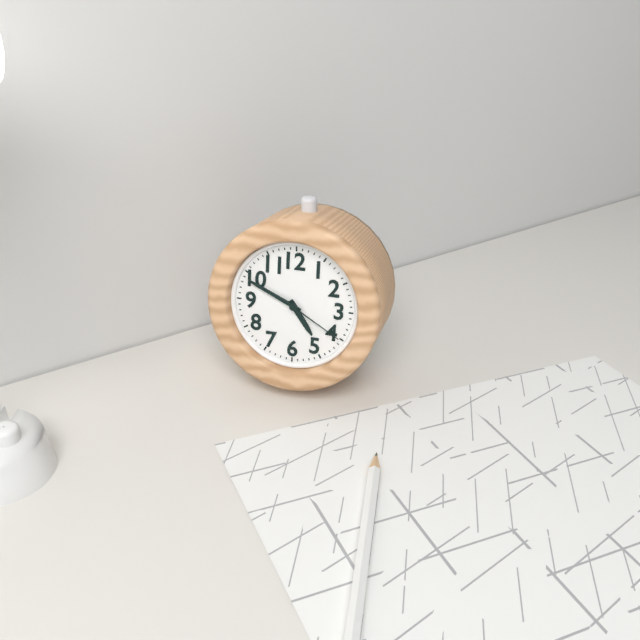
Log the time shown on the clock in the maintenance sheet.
4:49:20
